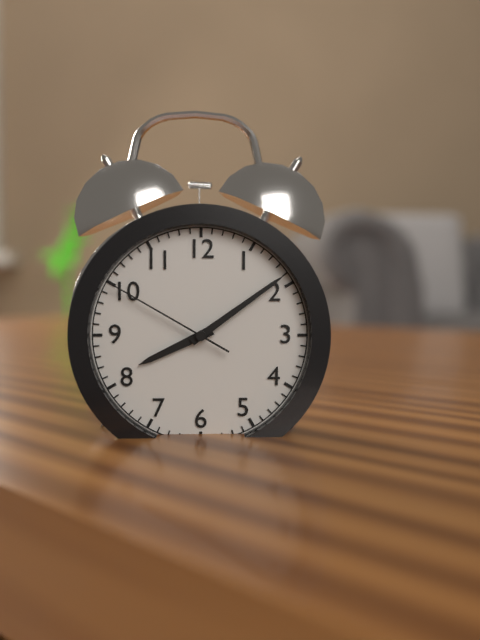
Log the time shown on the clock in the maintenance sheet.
8:09:50
